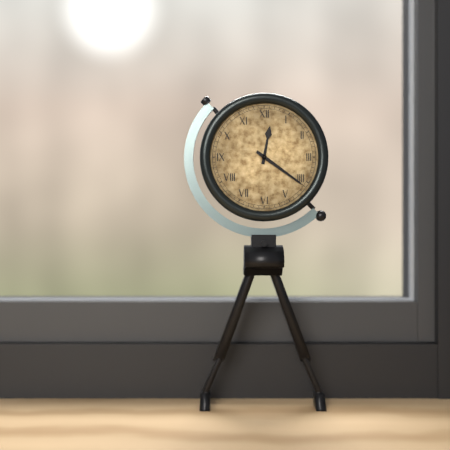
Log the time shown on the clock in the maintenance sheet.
12:21
